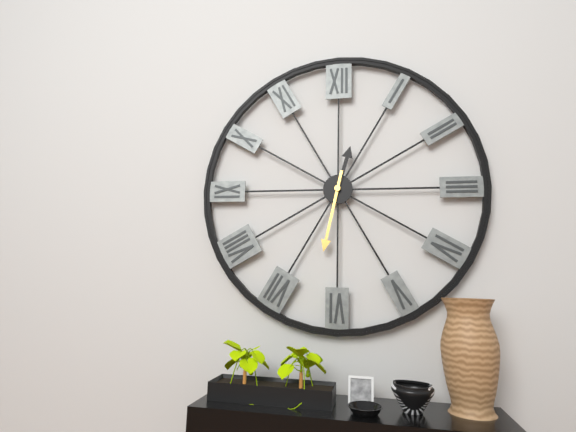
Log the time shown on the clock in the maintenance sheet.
12:32
